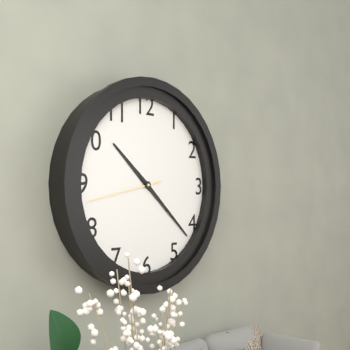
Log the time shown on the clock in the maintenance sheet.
10:22:43
